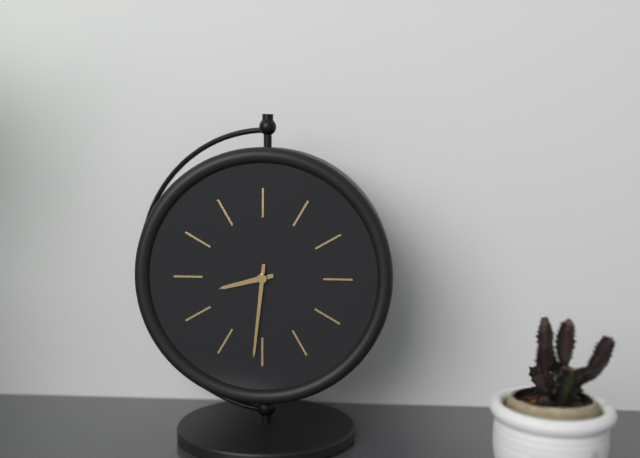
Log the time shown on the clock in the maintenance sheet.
8:31
